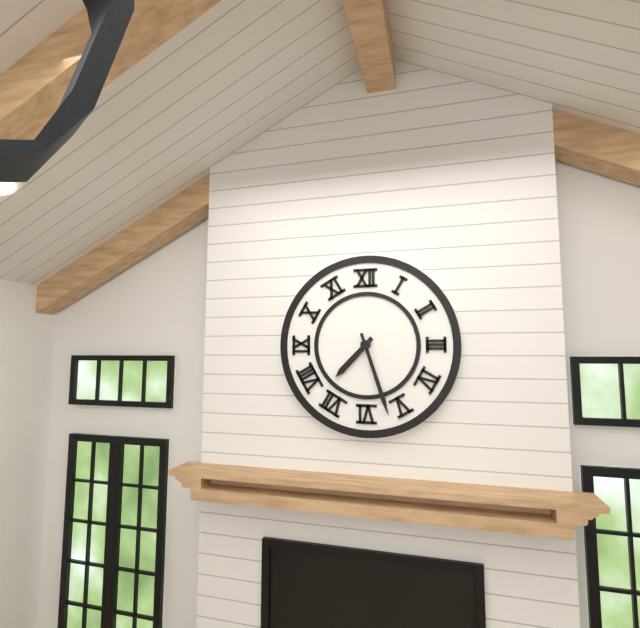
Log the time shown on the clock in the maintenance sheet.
7:27
